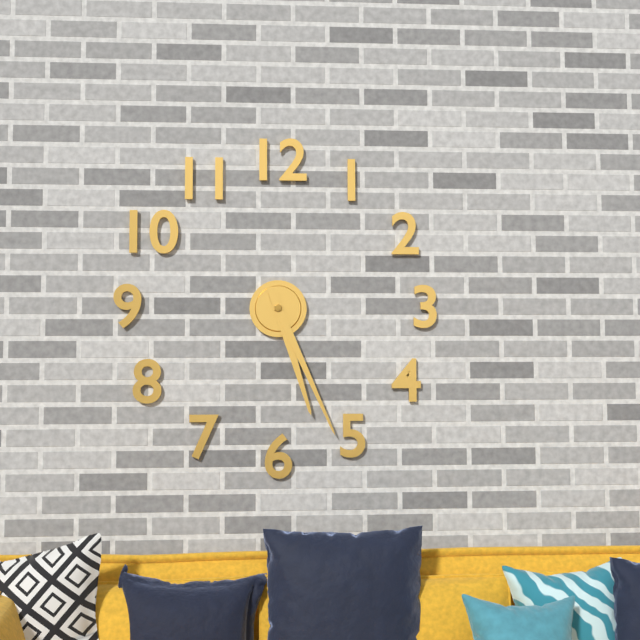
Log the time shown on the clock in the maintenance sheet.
5:26
